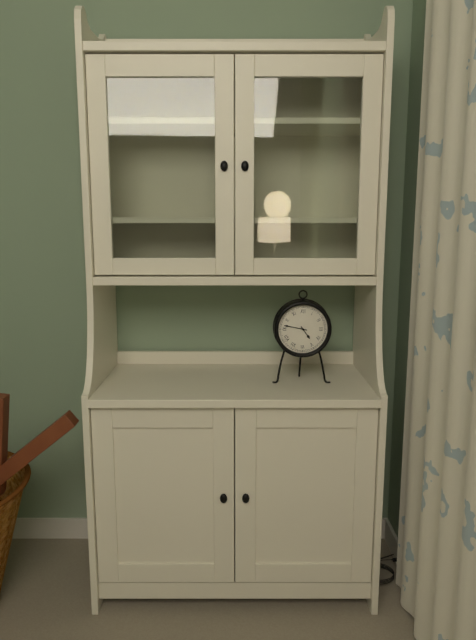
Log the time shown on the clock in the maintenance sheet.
4:47
